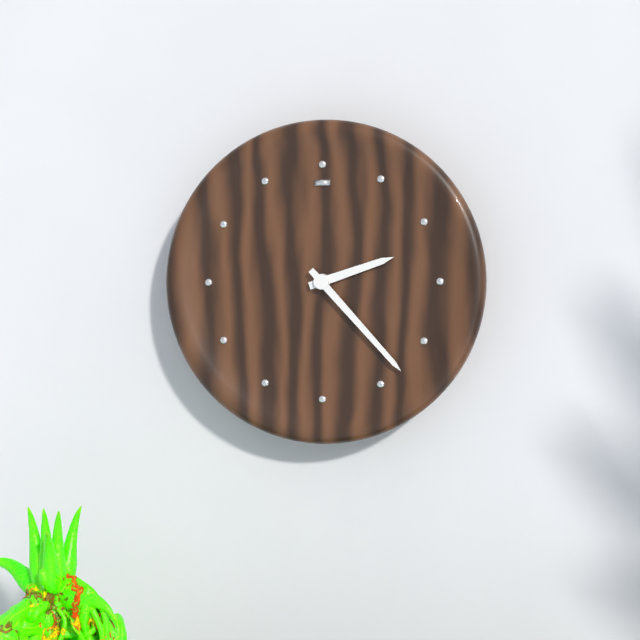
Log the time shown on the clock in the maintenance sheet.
2:23
